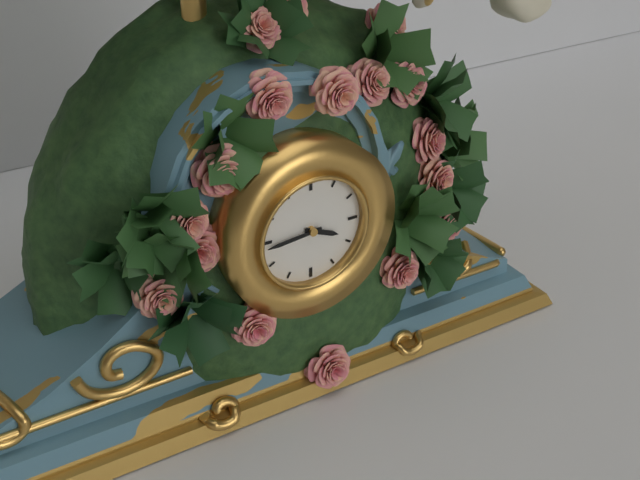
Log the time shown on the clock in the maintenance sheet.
3:44
